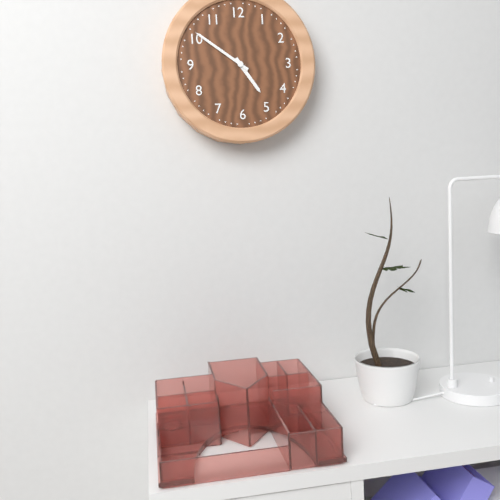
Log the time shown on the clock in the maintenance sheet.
4:51
